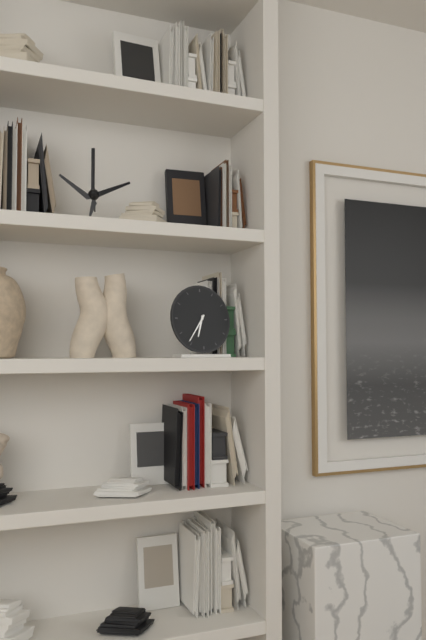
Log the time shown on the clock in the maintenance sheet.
6:36
